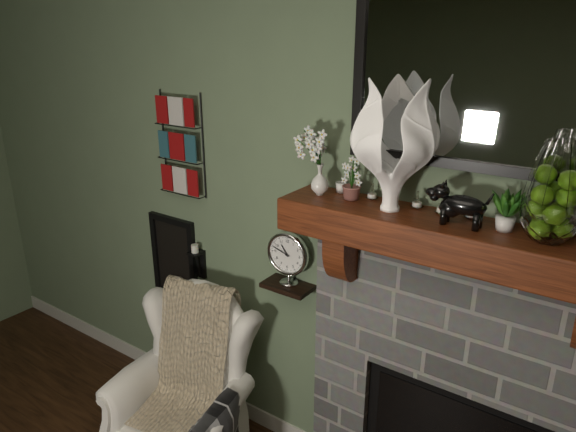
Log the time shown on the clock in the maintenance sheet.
10:48
